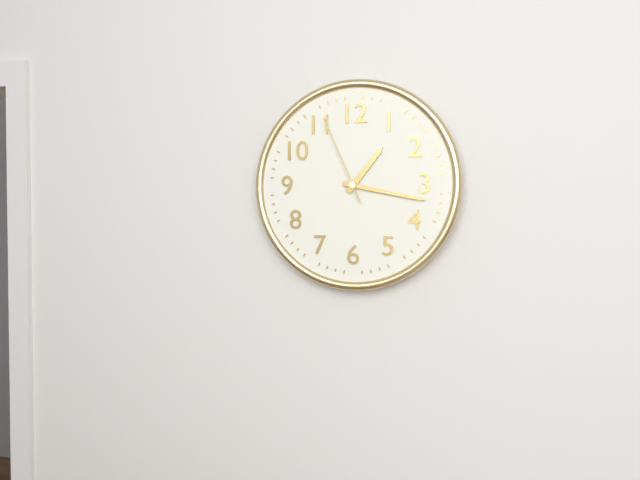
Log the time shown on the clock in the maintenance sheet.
1:17:56
